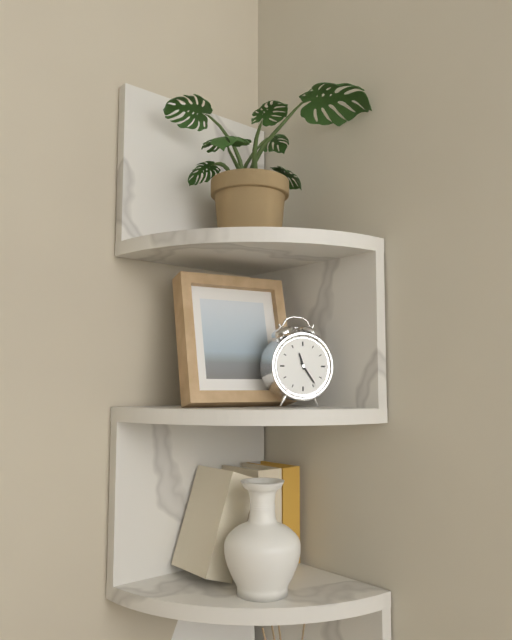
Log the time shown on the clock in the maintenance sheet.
11:24
